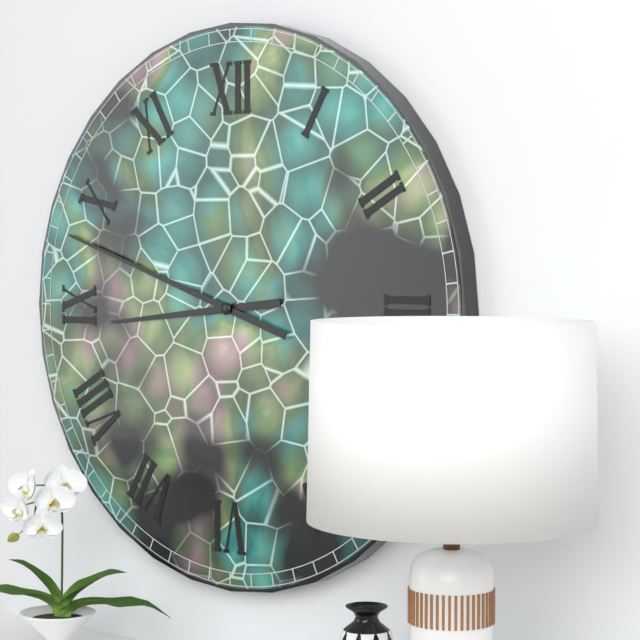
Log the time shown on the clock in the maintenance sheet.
8:48
